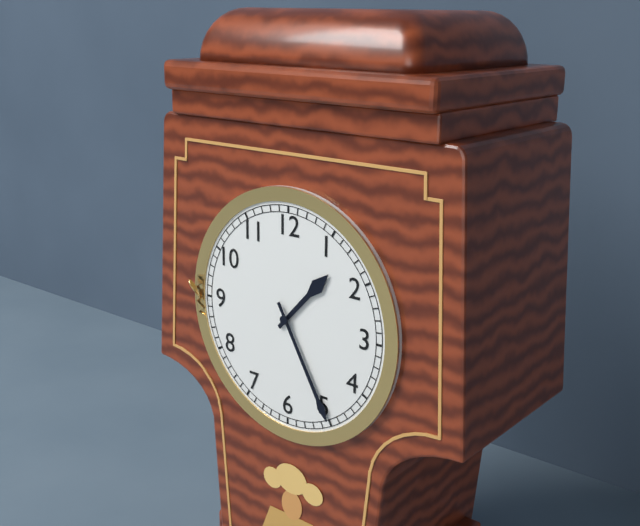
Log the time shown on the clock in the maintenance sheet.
1:25
